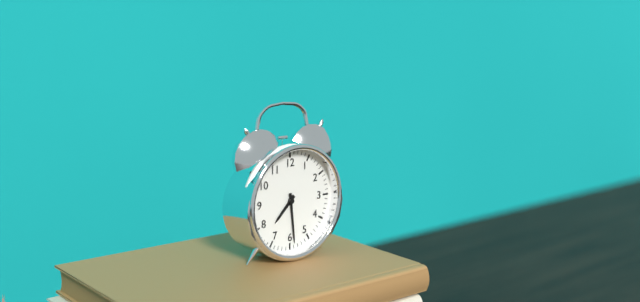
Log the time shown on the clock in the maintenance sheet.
7:29
